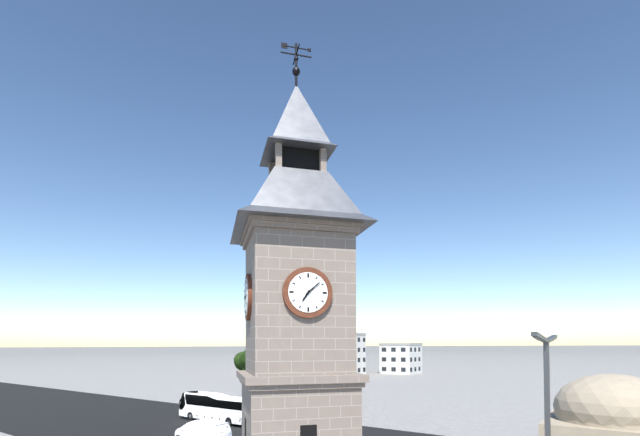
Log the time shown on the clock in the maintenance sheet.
7:08
